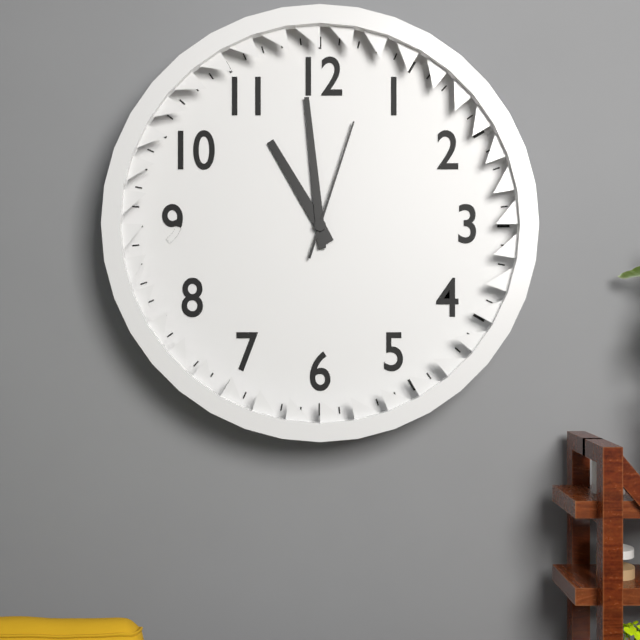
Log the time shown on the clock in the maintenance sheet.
10:59:03
